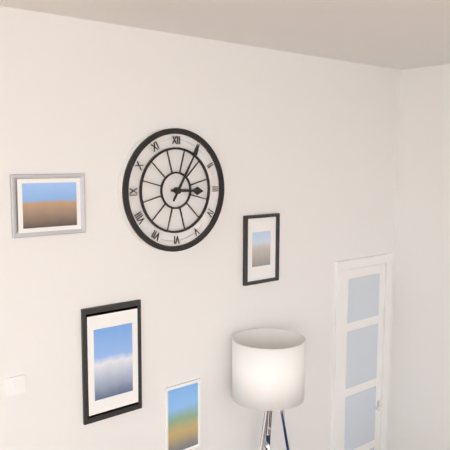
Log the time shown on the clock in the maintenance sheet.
3:05
